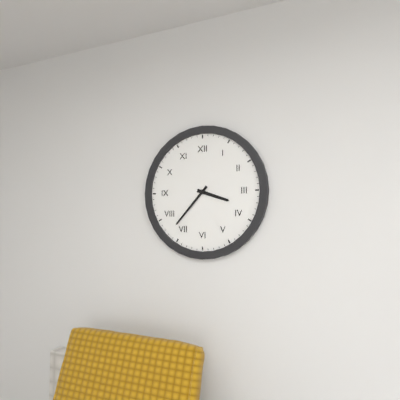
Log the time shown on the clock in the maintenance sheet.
3:37
